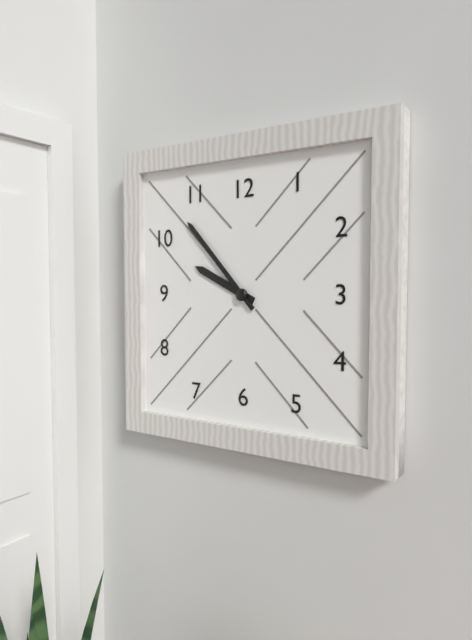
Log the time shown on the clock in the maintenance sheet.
9:53
